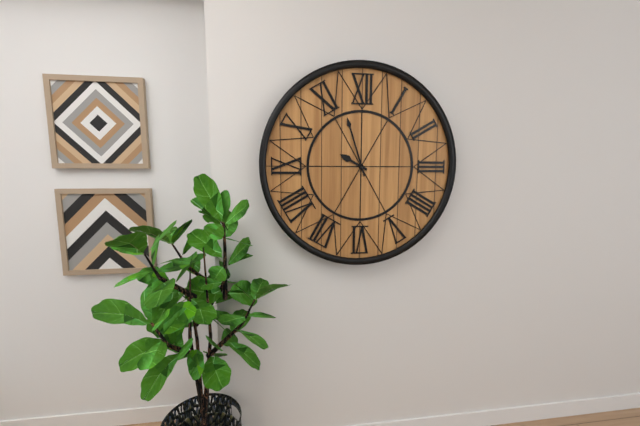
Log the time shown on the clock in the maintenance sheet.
9:57
